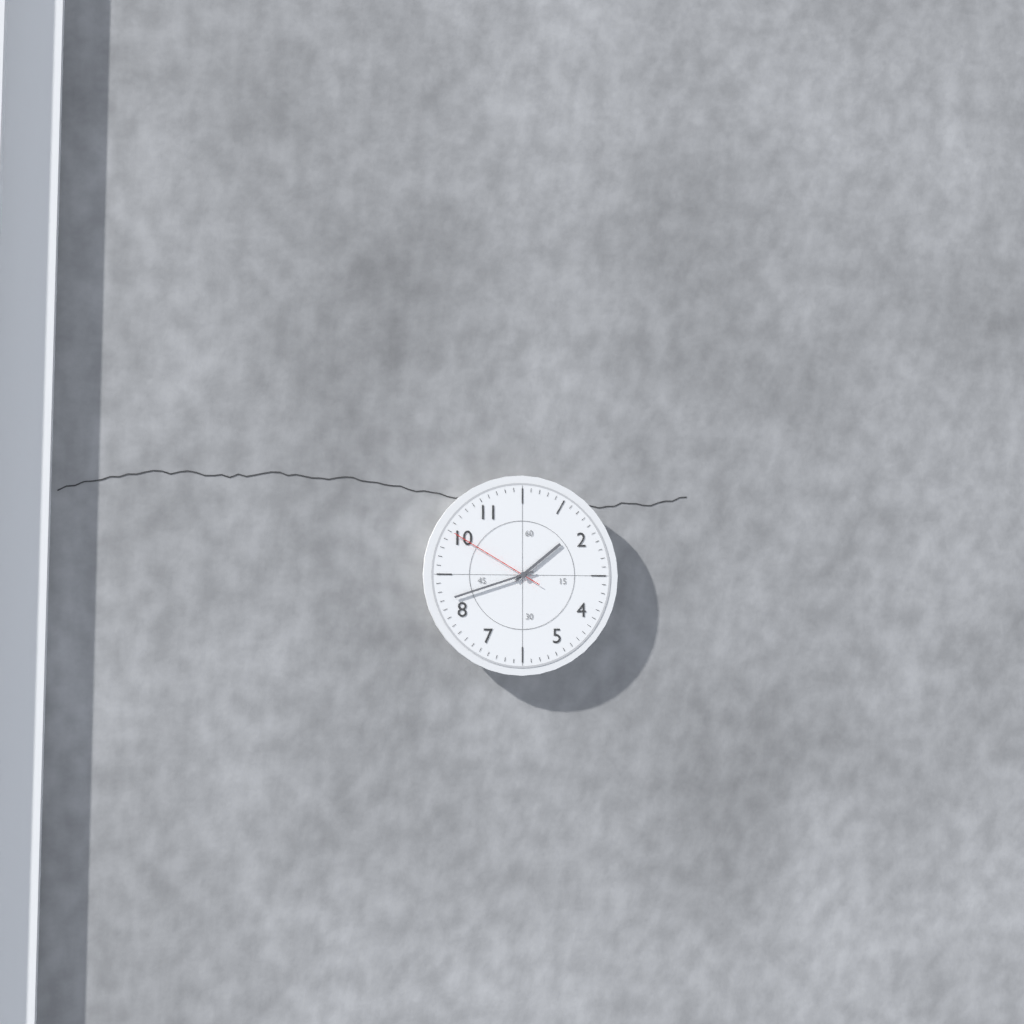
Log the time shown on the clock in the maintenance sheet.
1:42:50
